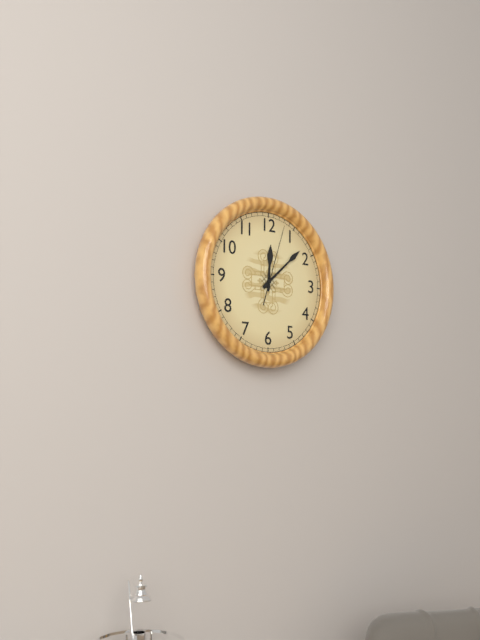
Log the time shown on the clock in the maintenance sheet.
12:08:03
